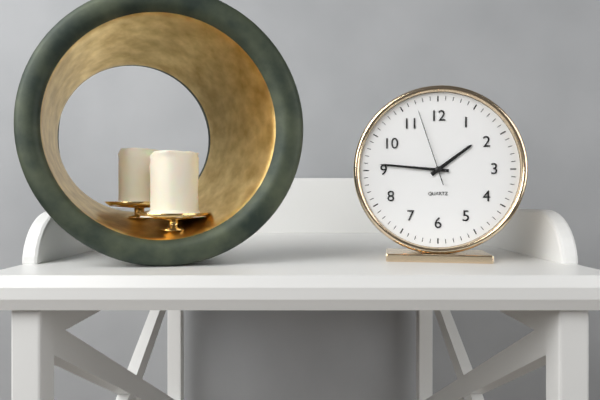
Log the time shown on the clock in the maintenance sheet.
1:46:57
